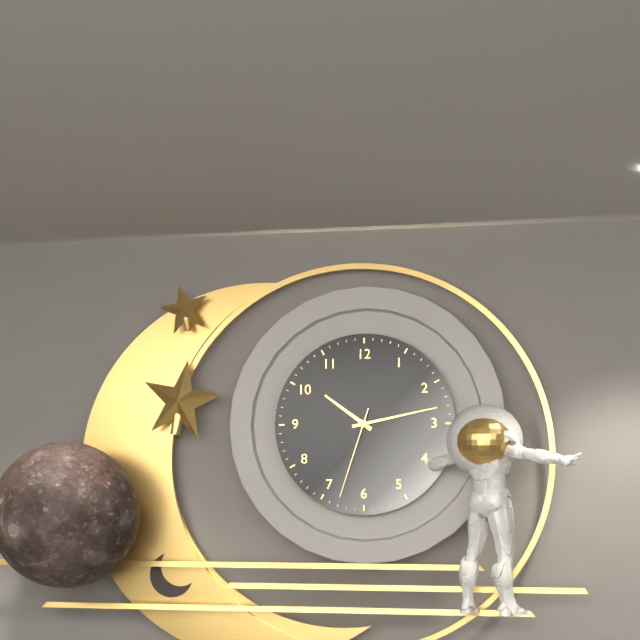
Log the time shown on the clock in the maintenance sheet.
10:13:33
